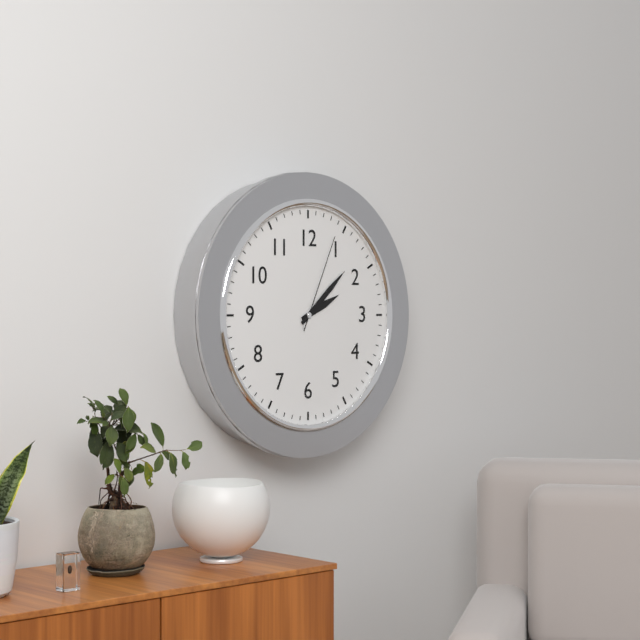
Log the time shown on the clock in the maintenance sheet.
2:08:04
